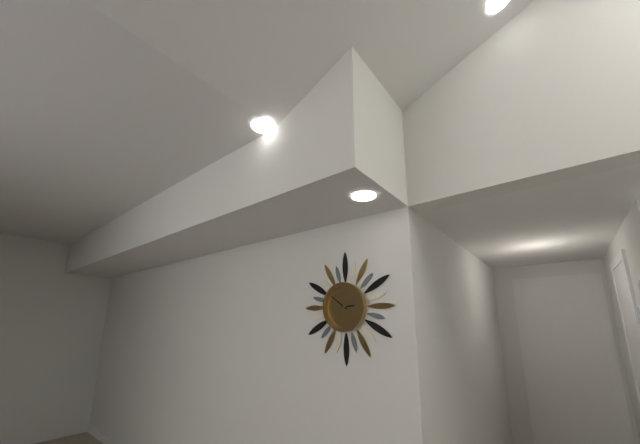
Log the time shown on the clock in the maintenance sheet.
2:51
